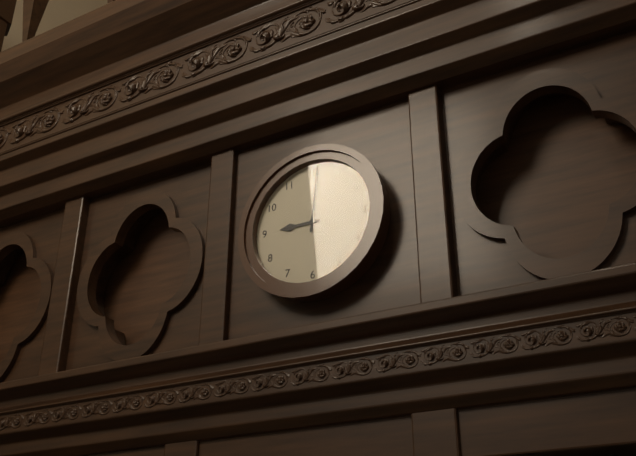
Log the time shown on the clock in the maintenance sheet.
9:01
